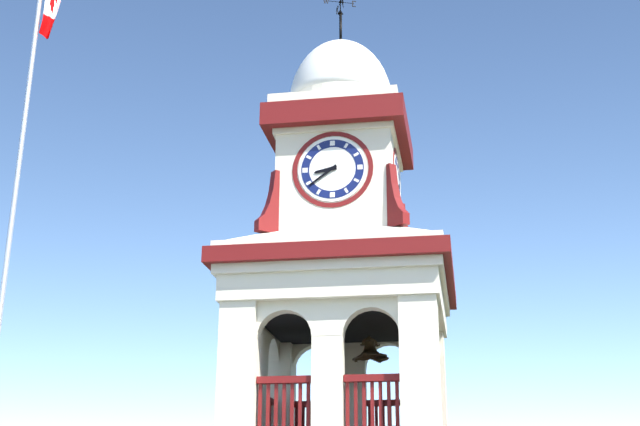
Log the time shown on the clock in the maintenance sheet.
8:39
